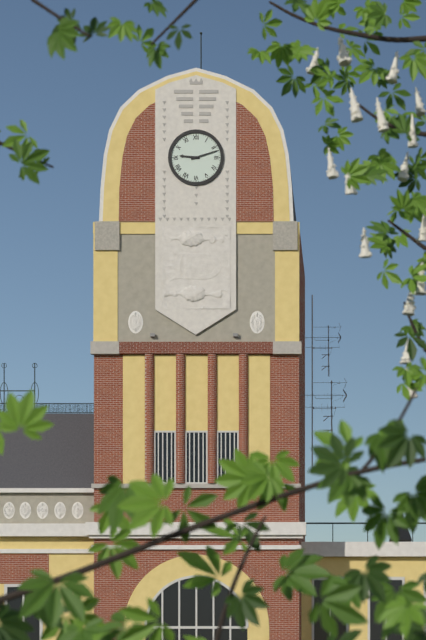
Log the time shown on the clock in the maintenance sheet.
9:12
